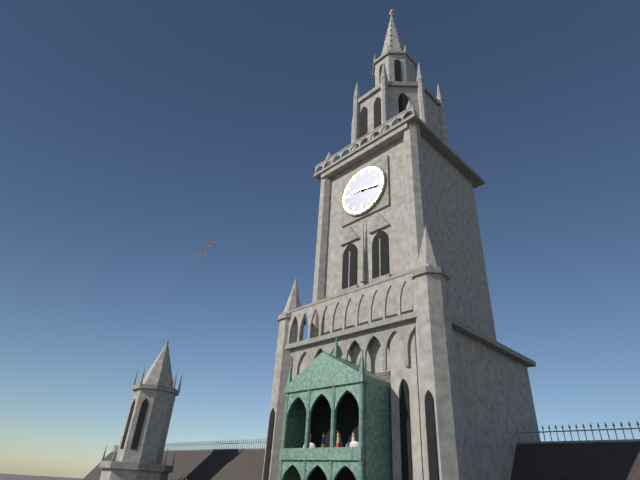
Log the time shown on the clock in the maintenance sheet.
9:17
